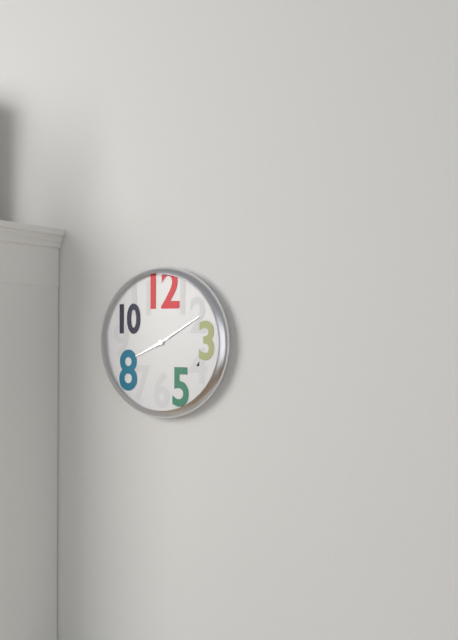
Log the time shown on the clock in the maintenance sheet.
8:10
